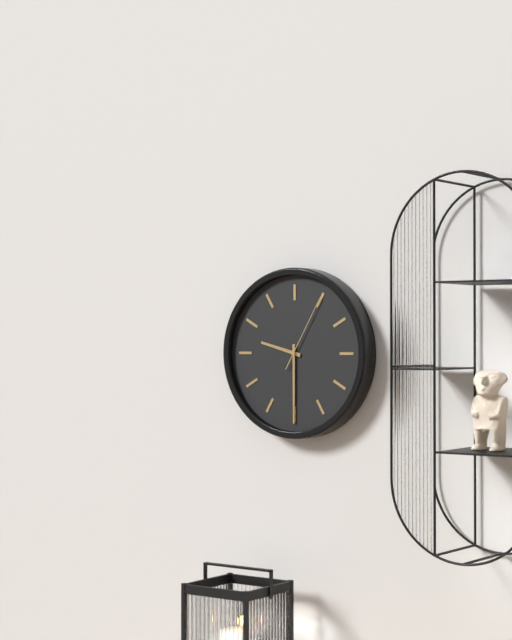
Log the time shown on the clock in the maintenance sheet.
9:30:05
